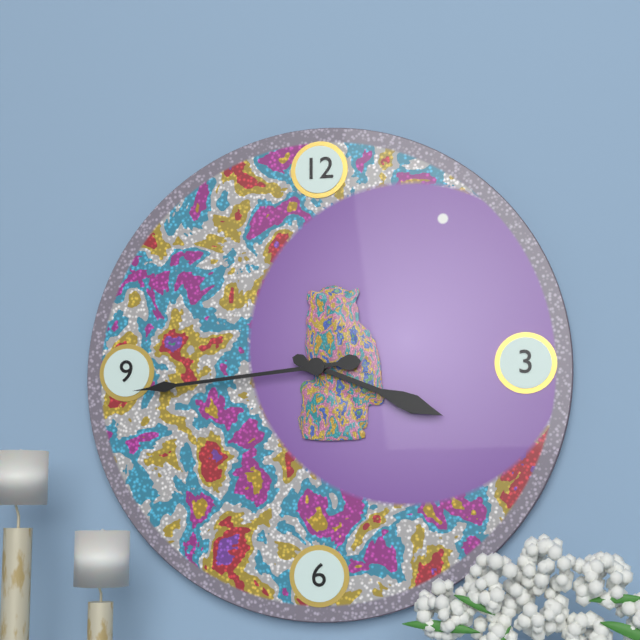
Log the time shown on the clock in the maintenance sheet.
3:44
